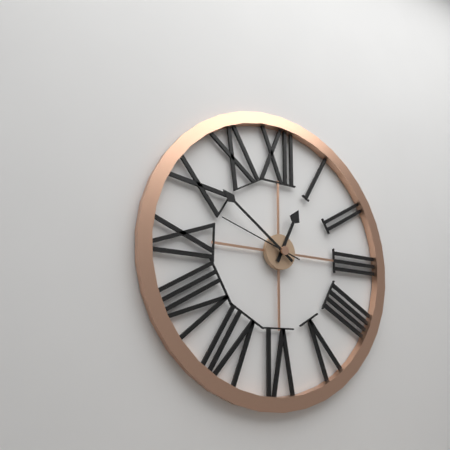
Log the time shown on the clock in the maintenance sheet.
12:51:48
